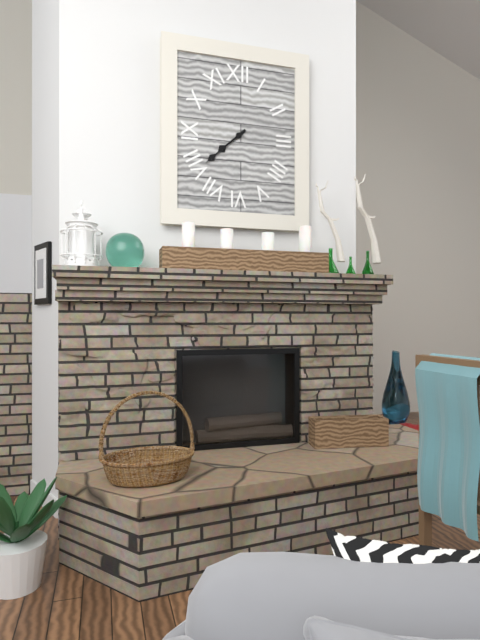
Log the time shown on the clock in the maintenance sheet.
7:38
